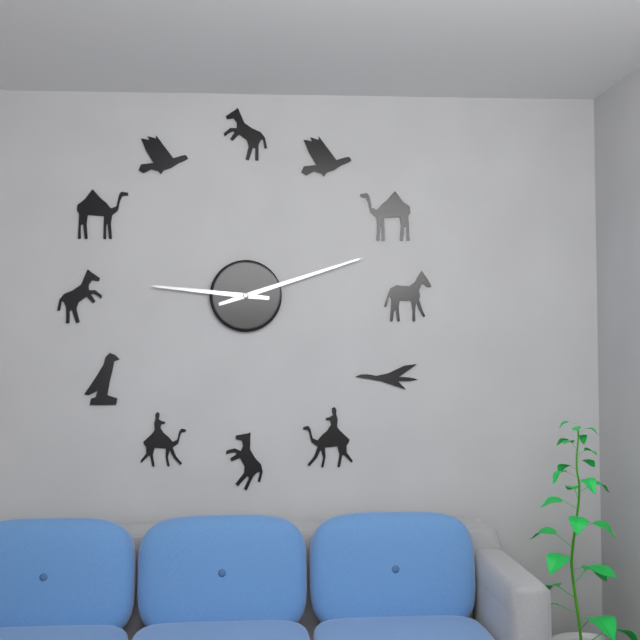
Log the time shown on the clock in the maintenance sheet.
9:12
